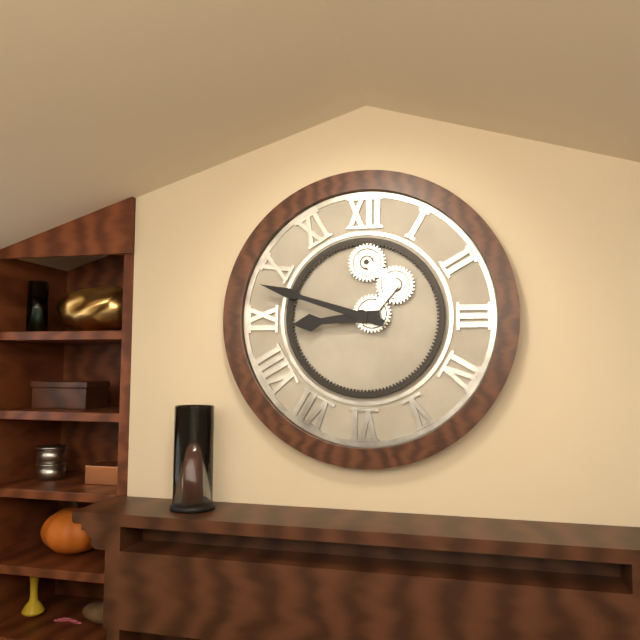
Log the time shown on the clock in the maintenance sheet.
8:48
